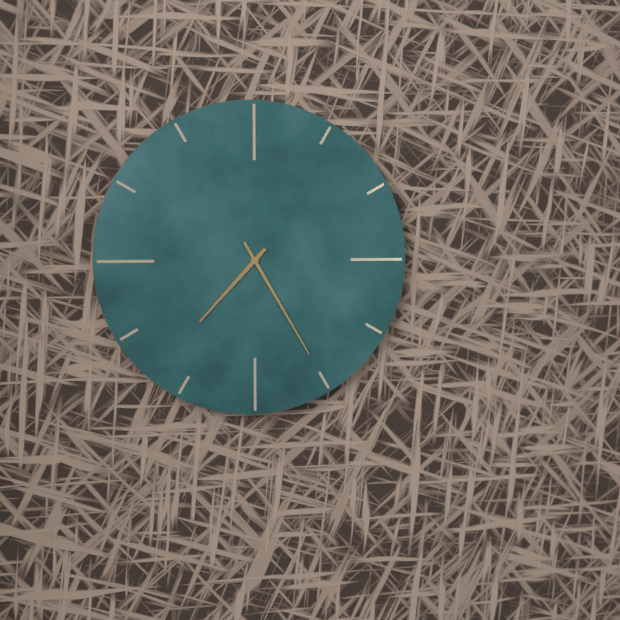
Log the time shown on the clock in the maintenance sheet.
7:25
